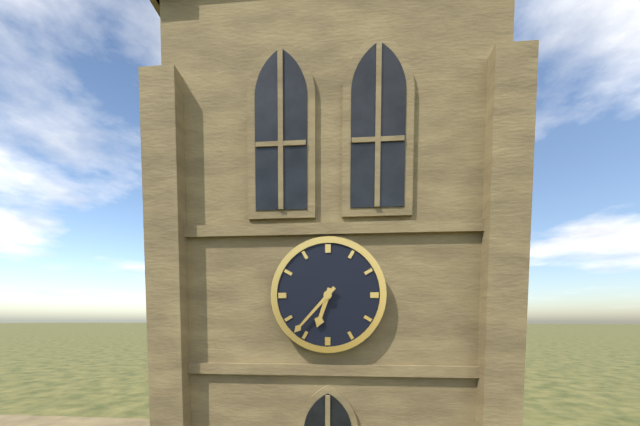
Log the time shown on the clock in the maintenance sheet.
6:37
